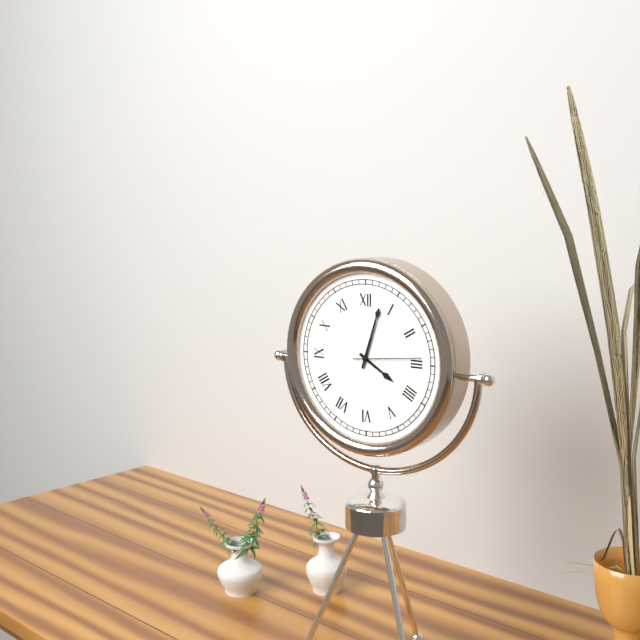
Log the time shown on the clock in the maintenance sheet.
4:03:14
